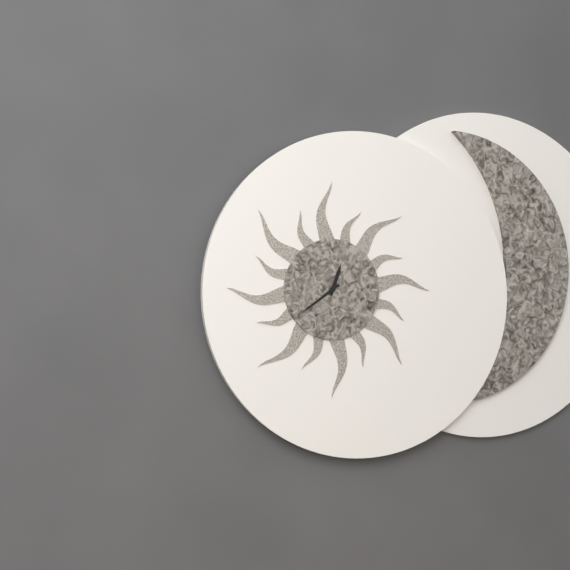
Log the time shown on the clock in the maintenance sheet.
12:39
